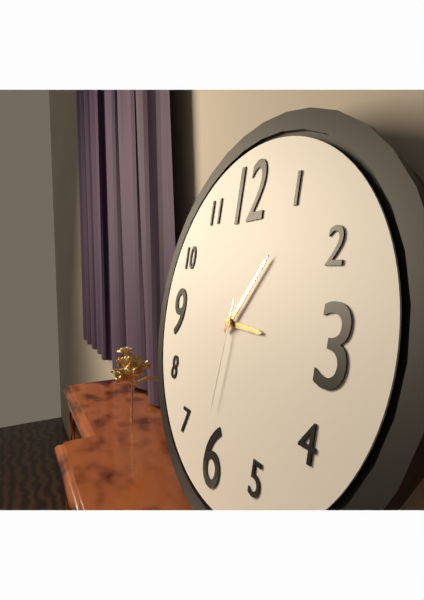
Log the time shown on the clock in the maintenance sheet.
3:06:31
